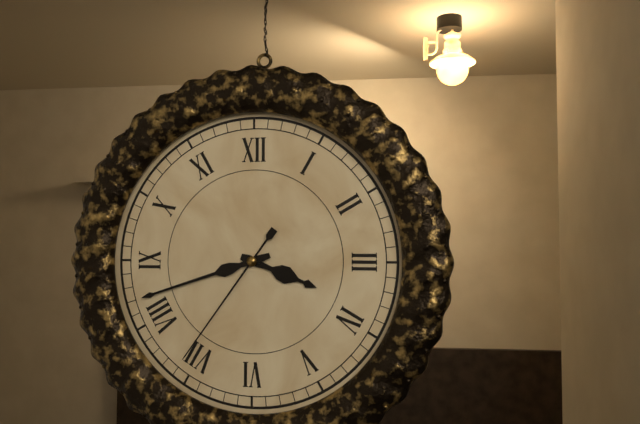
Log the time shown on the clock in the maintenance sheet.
3:42:36
